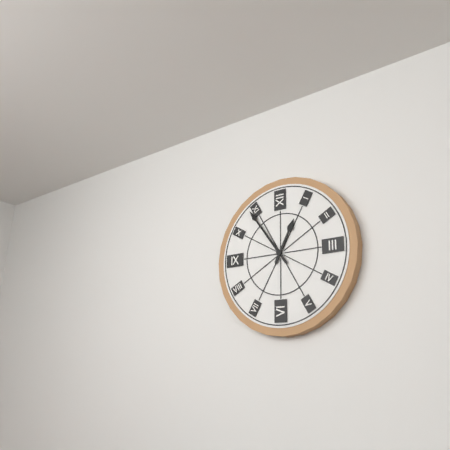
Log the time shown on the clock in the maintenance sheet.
12:54
